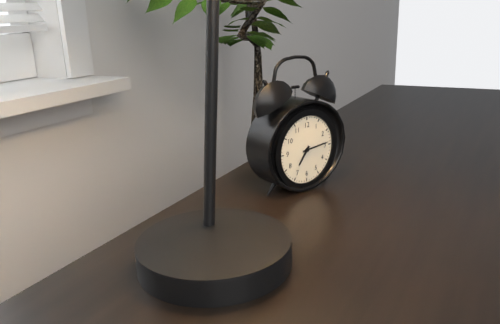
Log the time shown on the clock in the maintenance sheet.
7:14
